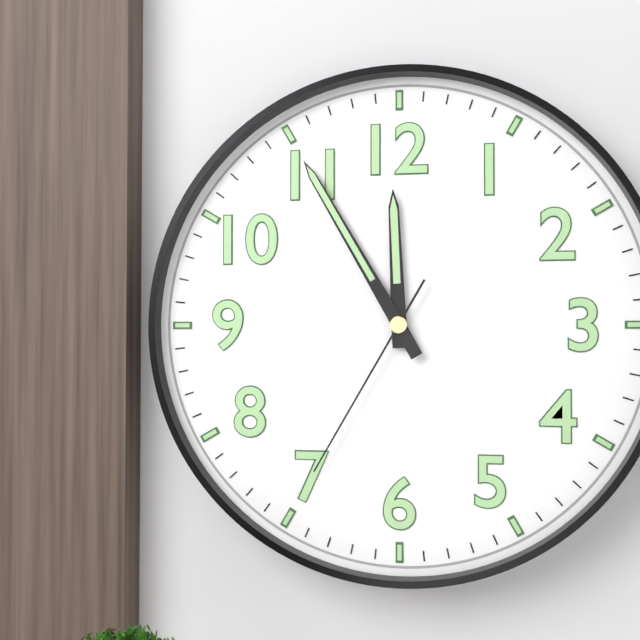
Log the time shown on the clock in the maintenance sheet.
11:55:35
